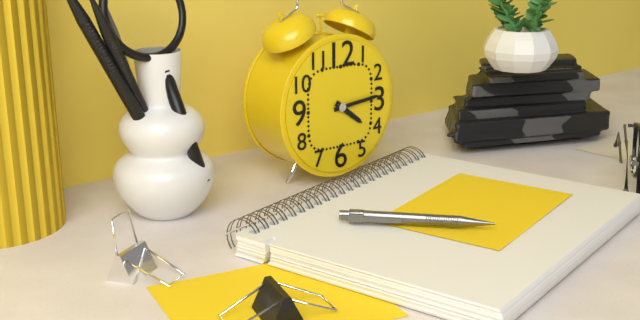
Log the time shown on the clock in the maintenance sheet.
4:14
